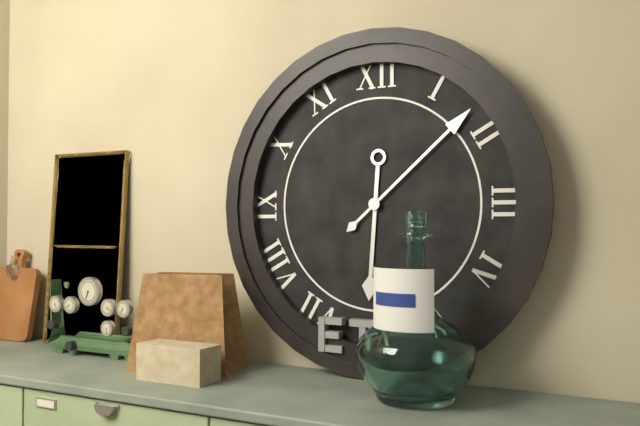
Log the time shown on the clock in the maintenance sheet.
6:08
